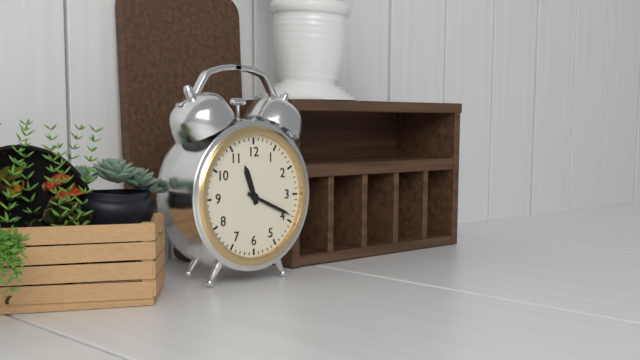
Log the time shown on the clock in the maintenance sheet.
11:19
